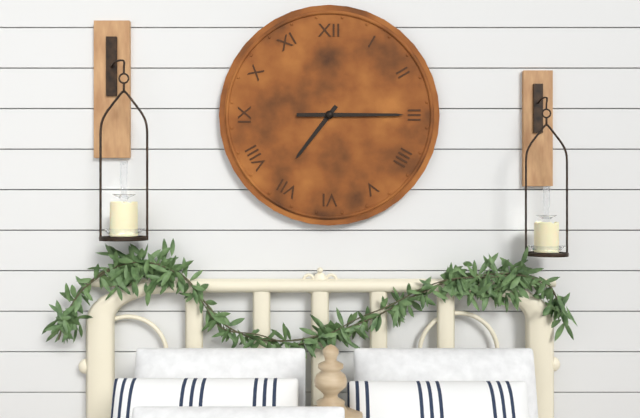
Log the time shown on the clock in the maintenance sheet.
7:15
